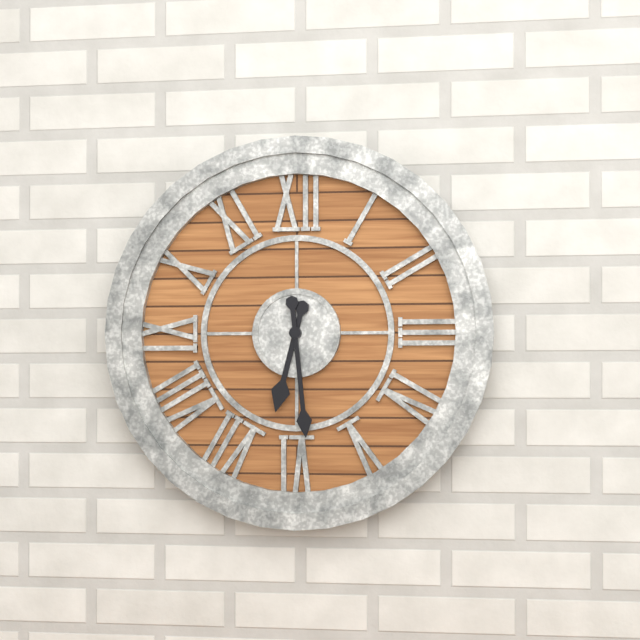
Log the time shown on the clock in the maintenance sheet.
6:29
